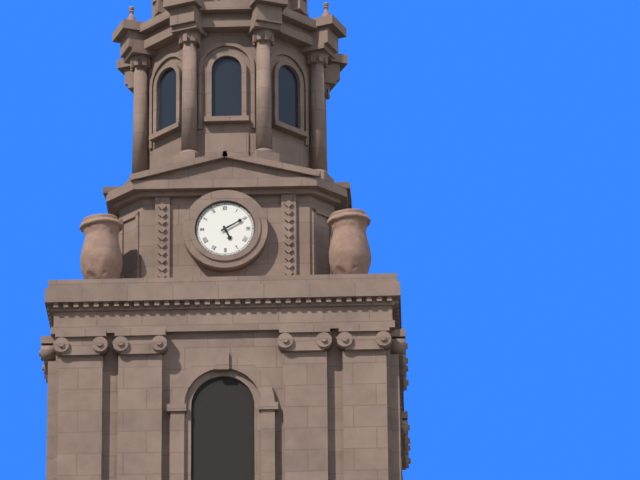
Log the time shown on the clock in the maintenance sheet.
5:10
